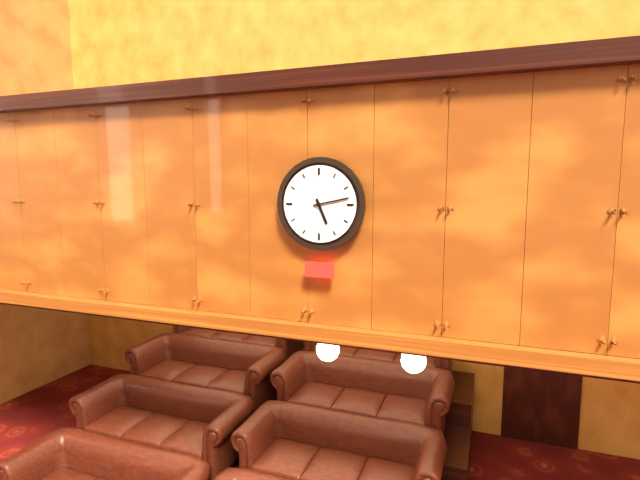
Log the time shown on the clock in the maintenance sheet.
5:13
